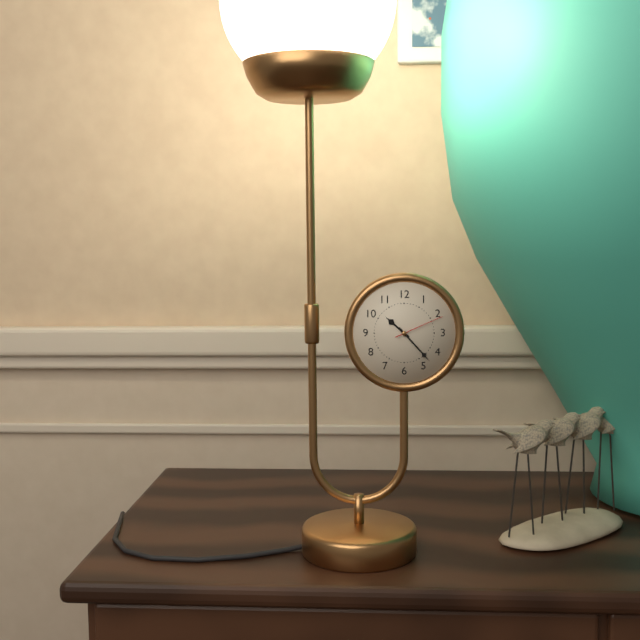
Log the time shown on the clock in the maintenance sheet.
10:23:11
